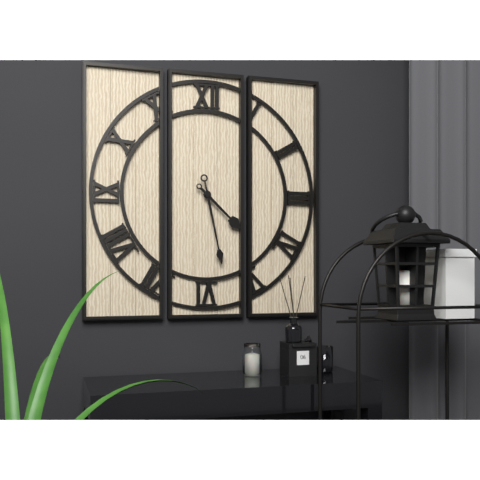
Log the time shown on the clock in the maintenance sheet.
4:28
